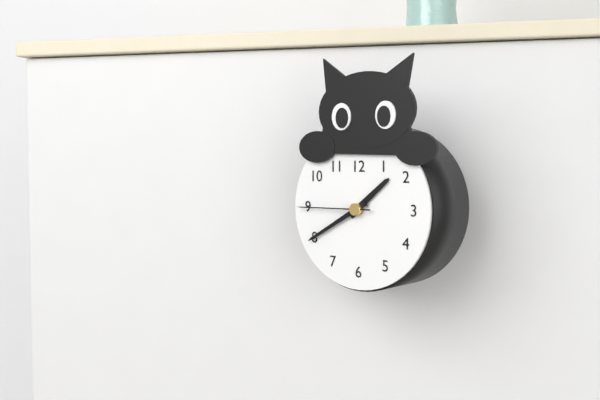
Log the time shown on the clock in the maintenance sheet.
1:40:45
